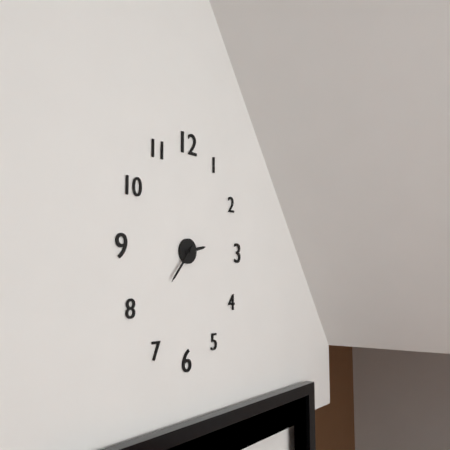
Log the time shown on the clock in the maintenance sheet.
2:37
